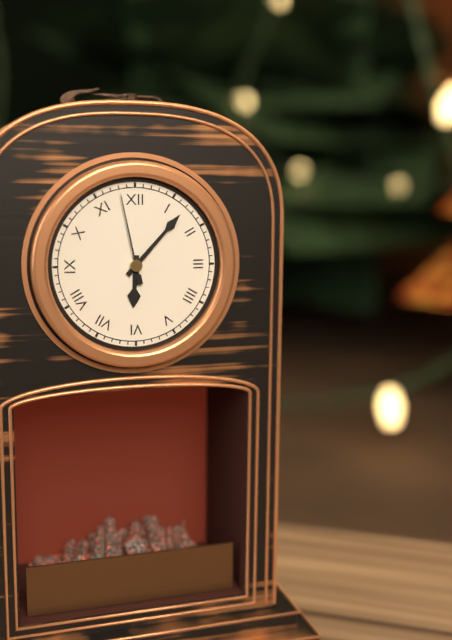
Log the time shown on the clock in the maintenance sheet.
6:07:58
